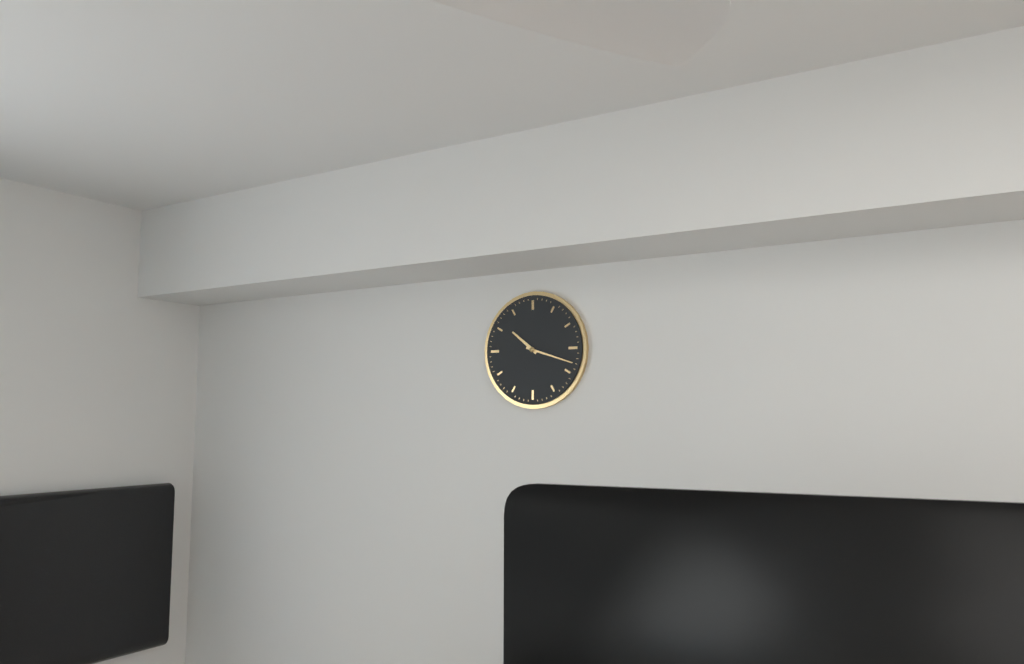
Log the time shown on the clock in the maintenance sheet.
10:18
